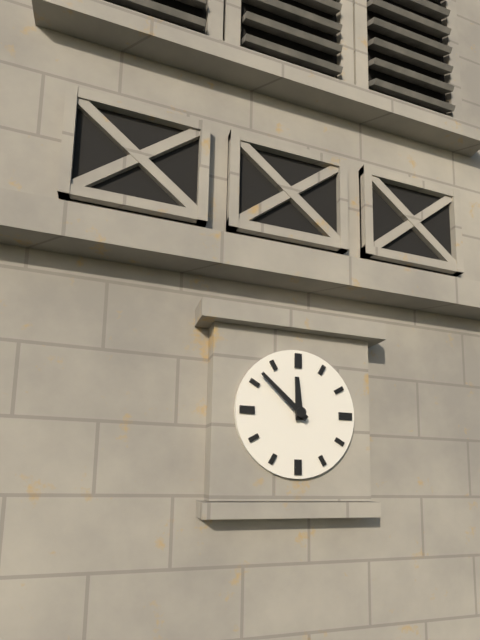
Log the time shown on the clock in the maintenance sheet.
11:52
